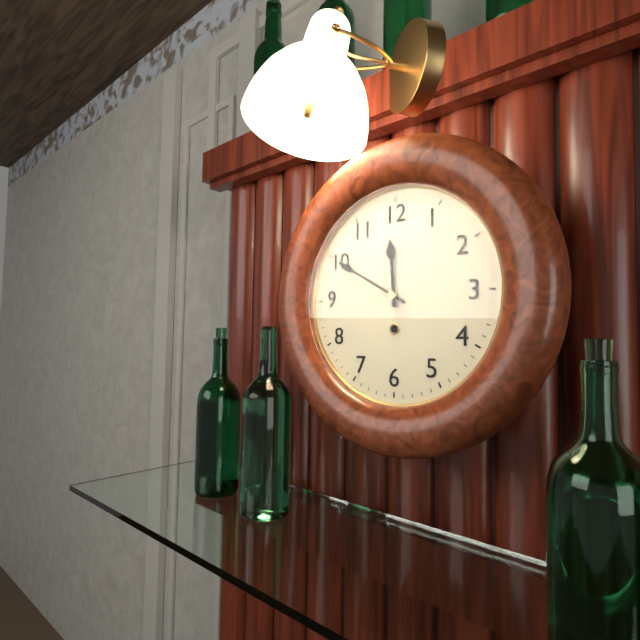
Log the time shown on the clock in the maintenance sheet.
11:50
